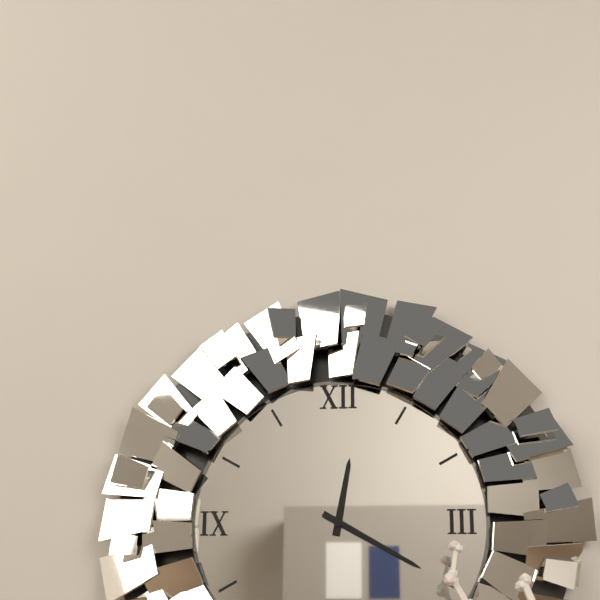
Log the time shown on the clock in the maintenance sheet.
12:20
